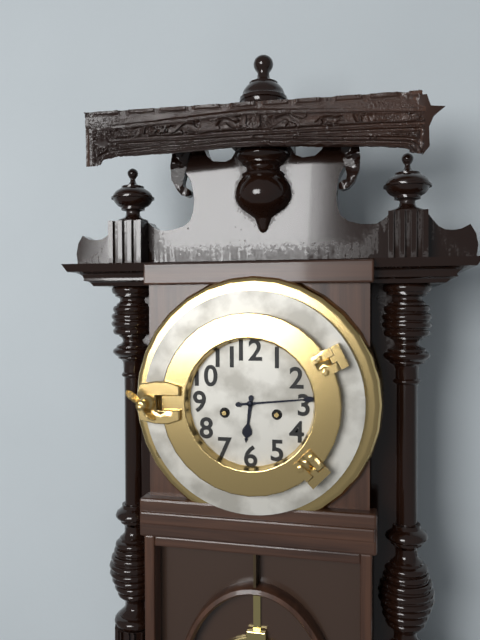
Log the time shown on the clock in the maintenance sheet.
6:14
